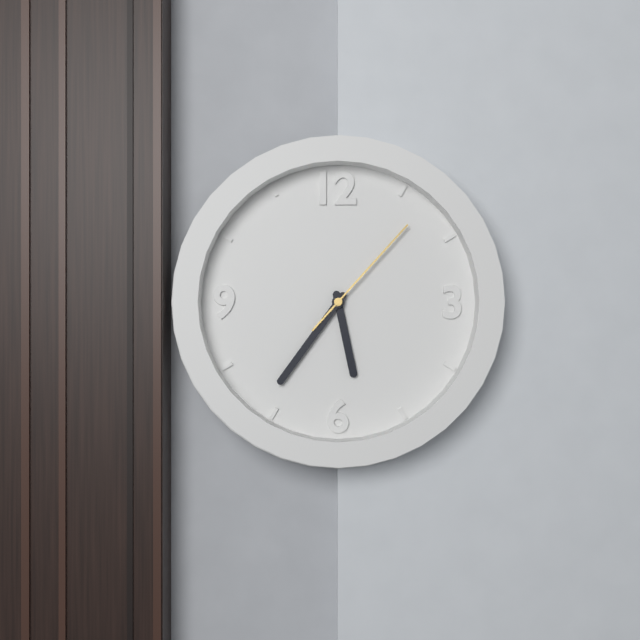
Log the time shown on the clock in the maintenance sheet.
5:36:07
